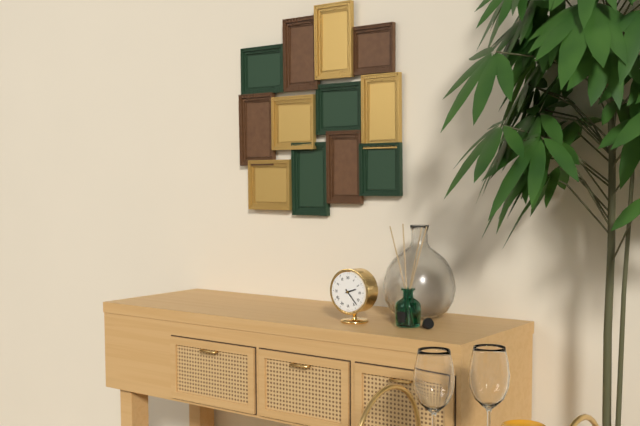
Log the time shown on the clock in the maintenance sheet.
2:23
